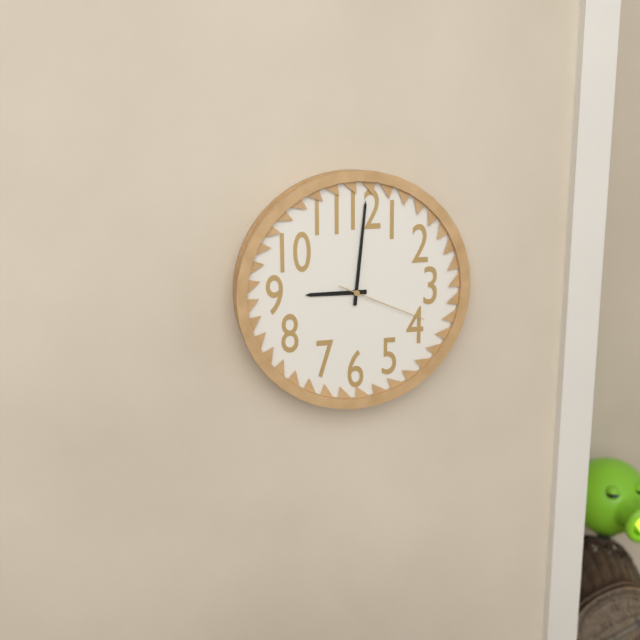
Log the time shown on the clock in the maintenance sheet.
9:01:19
